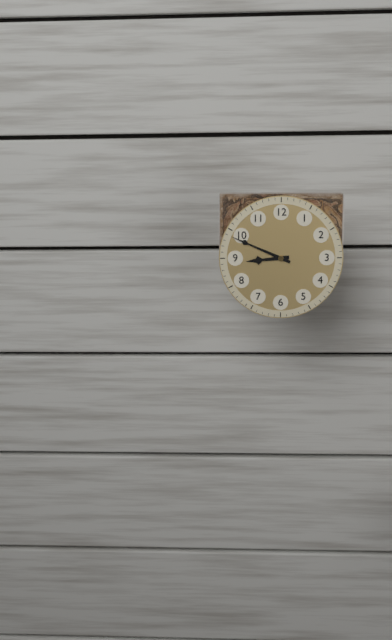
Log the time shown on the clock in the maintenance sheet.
8:49
